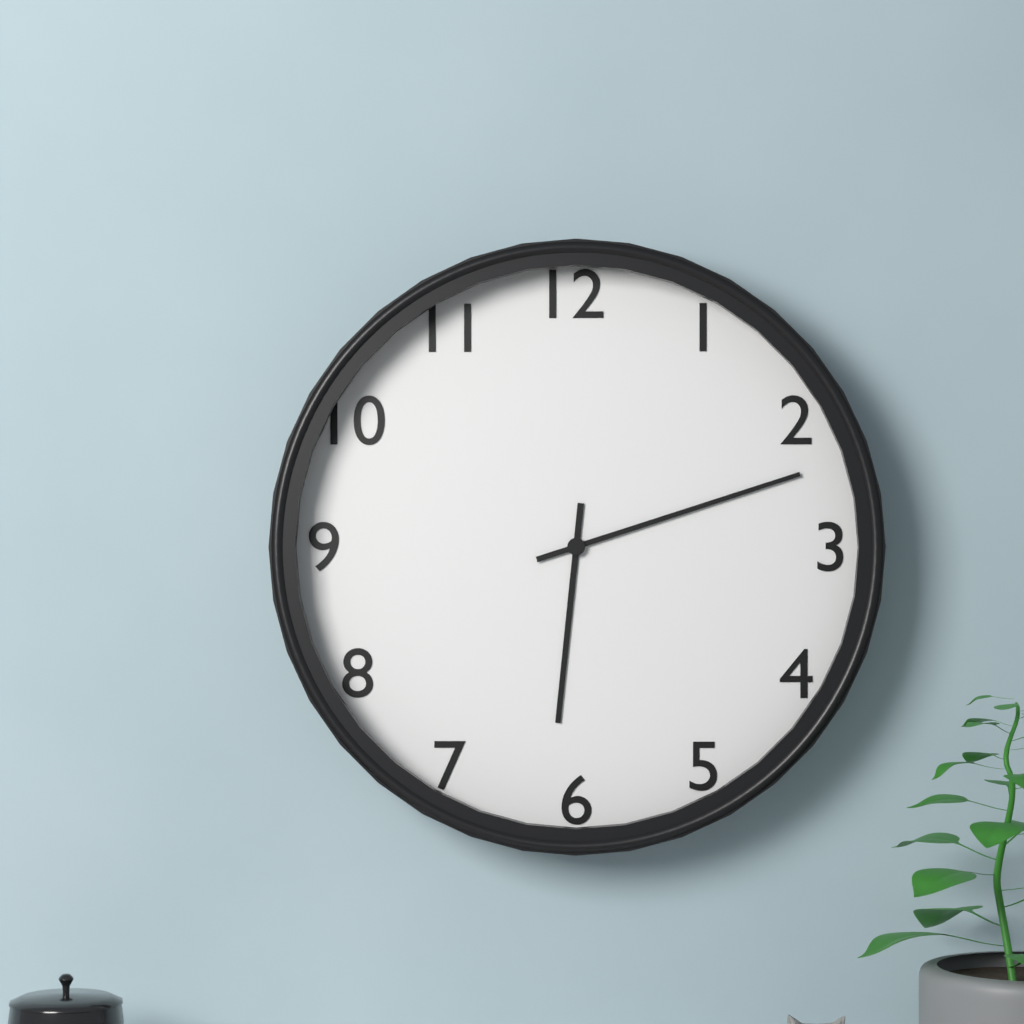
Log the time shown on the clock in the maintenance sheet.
6:12
